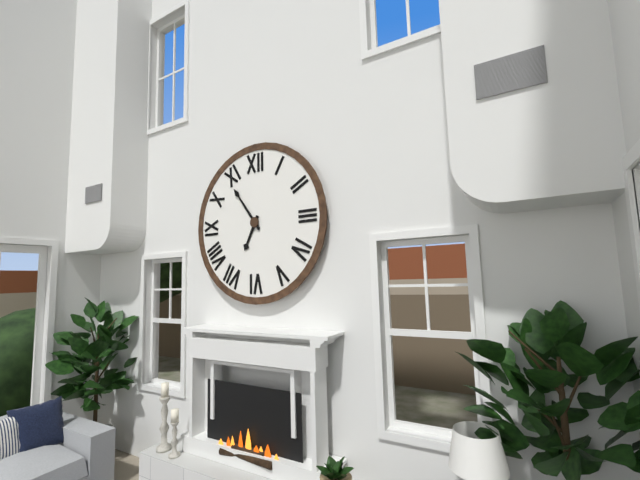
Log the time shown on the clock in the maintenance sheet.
6:54
